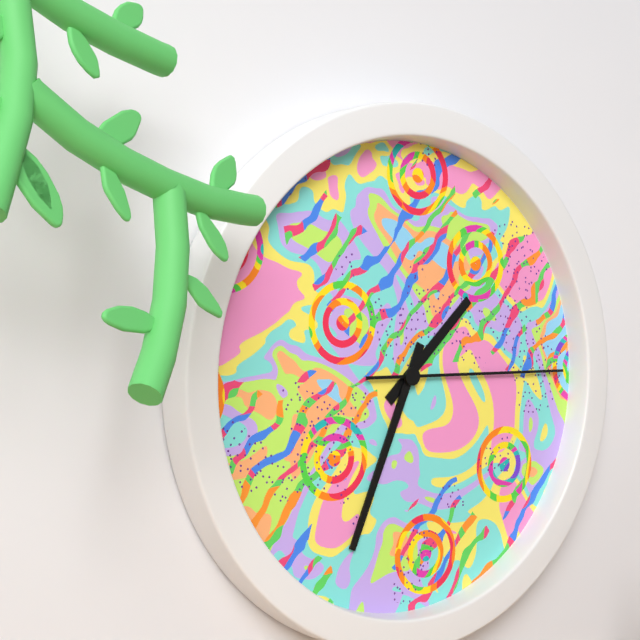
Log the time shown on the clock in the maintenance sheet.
1:34:15
